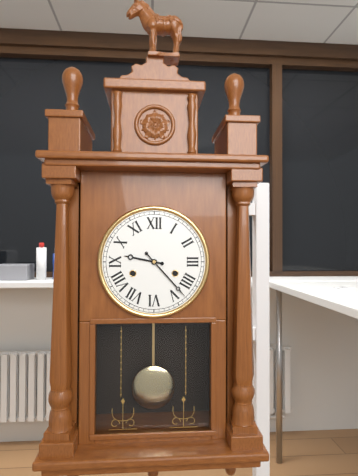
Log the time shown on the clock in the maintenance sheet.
9:23
